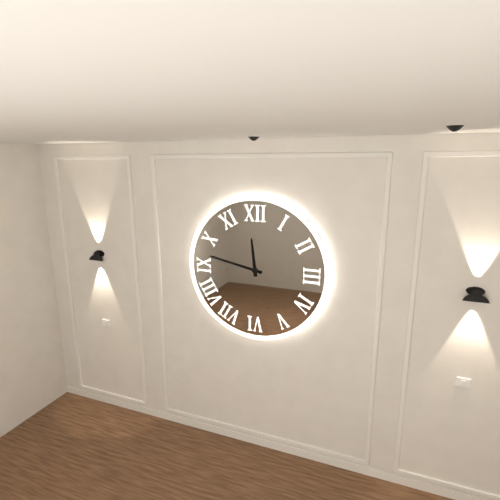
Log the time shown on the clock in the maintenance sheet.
11:47
